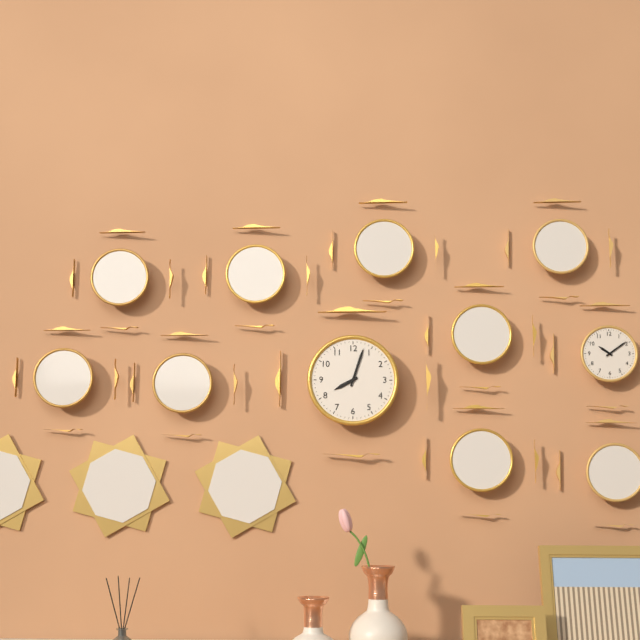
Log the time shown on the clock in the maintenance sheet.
8:03
